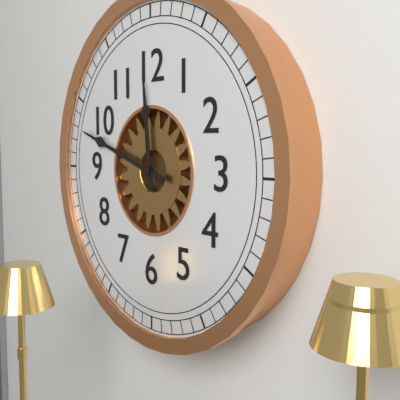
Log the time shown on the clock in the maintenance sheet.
11:48
